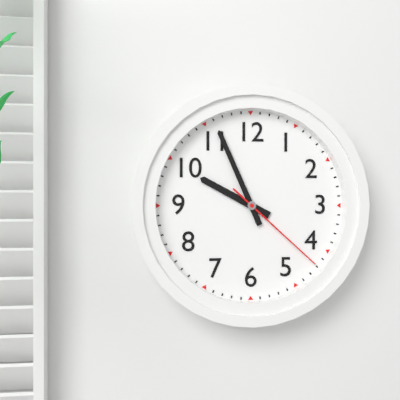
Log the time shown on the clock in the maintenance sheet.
9:56:22
